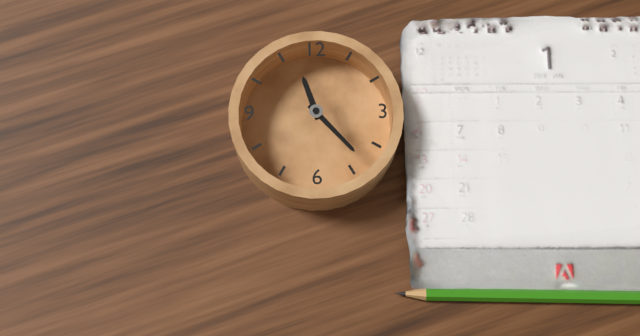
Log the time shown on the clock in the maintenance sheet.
11:23
